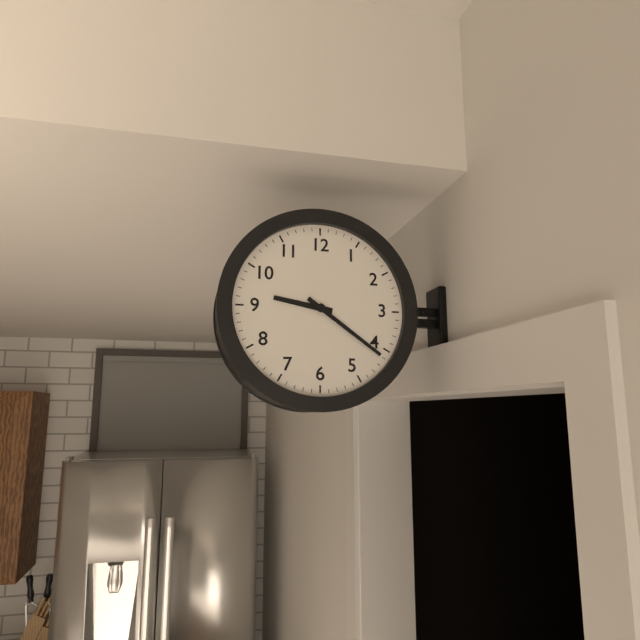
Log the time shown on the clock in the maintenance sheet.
9:21
